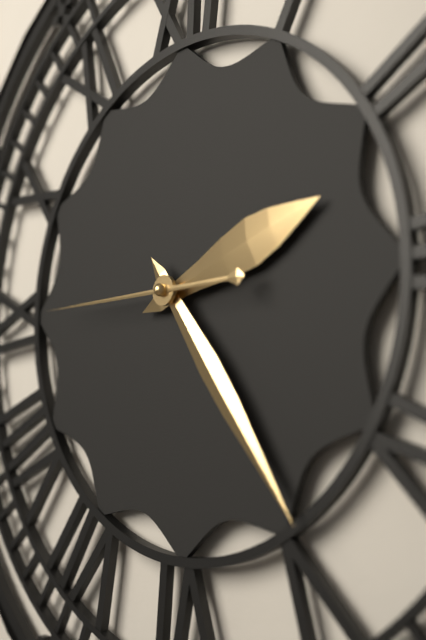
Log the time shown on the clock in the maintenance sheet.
2:24:45
